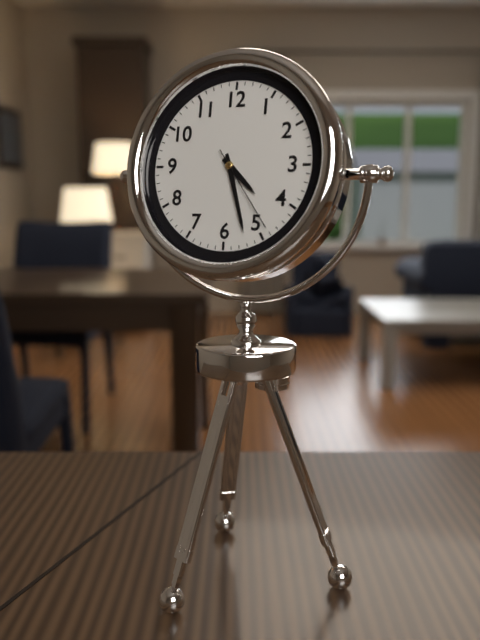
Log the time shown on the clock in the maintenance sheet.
4:27:24
